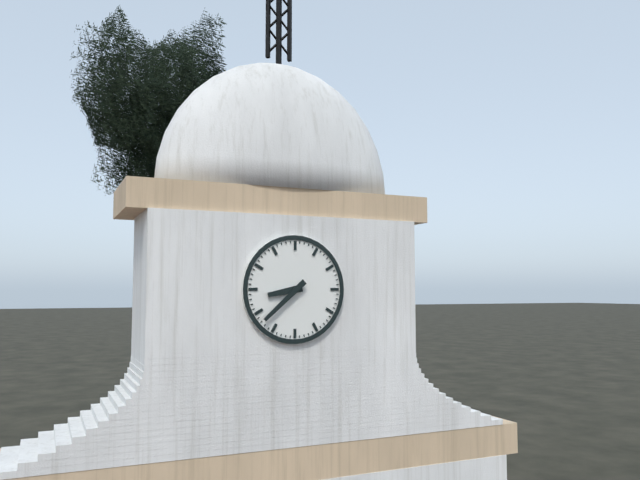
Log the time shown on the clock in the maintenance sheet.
8:38
